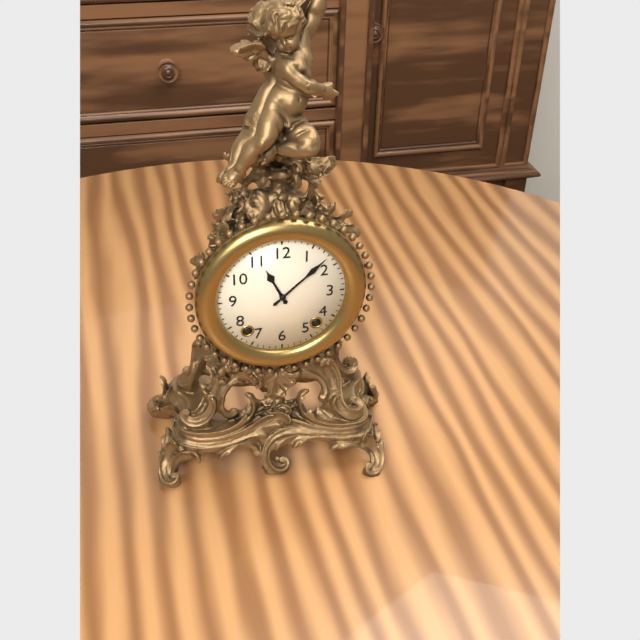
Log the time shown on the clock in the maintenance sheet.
11:08
